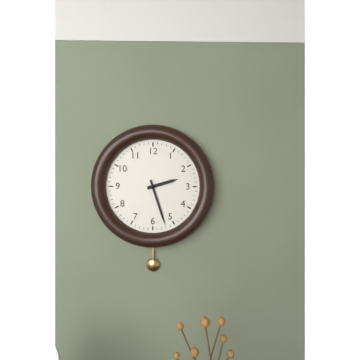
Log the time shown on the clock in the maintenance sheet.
2:27
